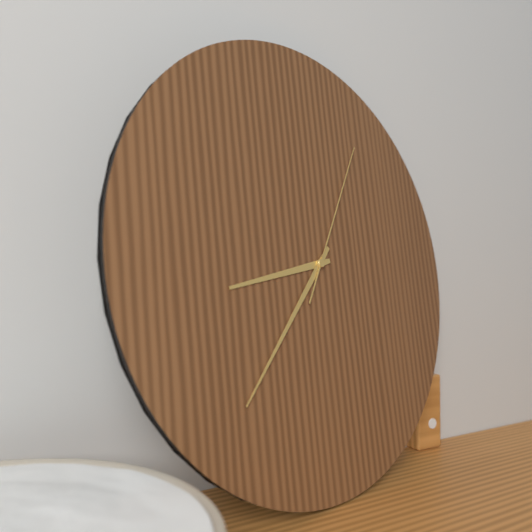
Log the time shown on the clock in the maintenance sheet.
8:37:05
